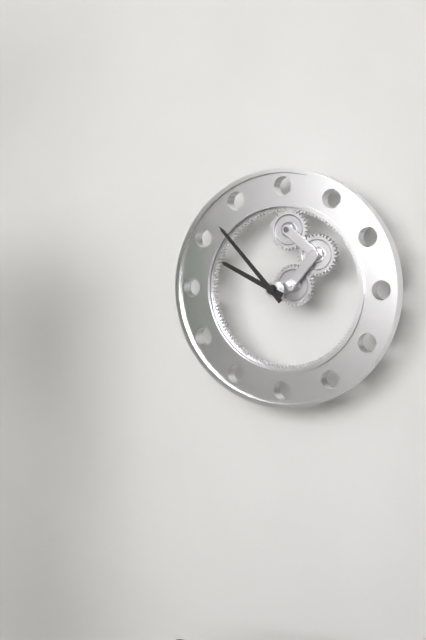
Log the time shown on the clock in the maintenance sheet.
9:53
